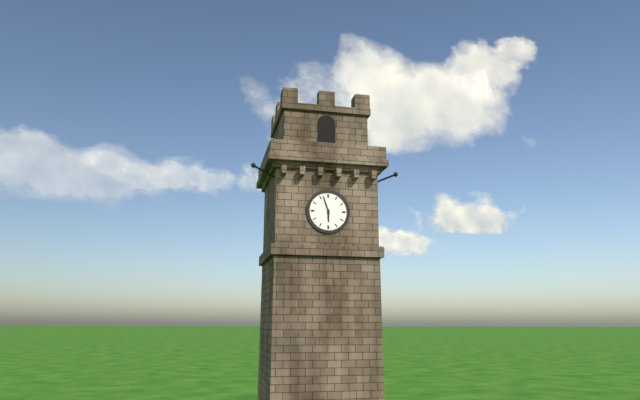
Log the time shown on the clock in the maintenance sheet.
5:57
